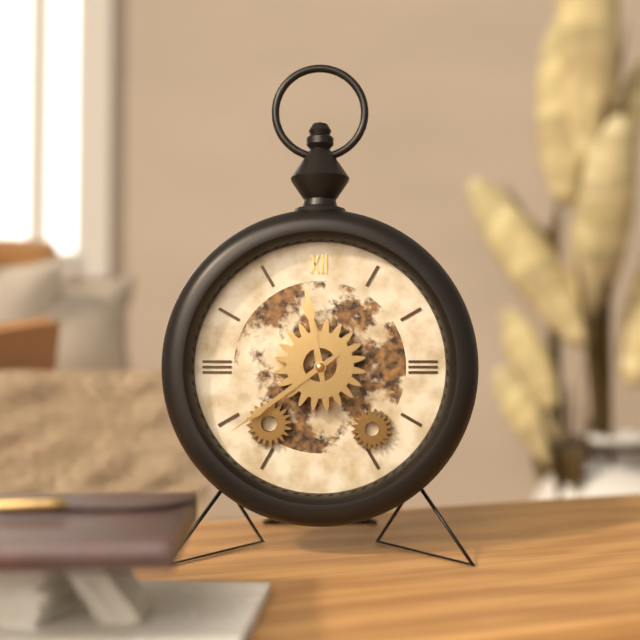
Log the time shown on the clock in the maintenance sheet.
11:39
